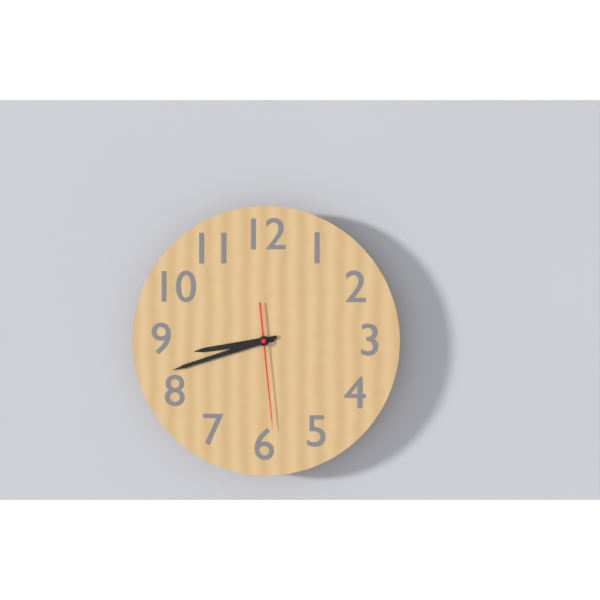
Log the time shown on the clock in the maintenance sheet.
8:42:29
